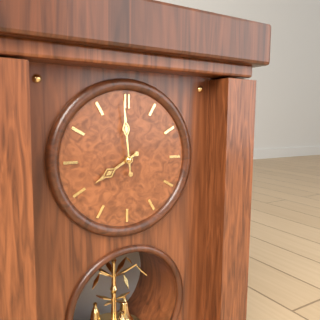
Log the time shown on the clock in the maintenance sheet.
7:59
